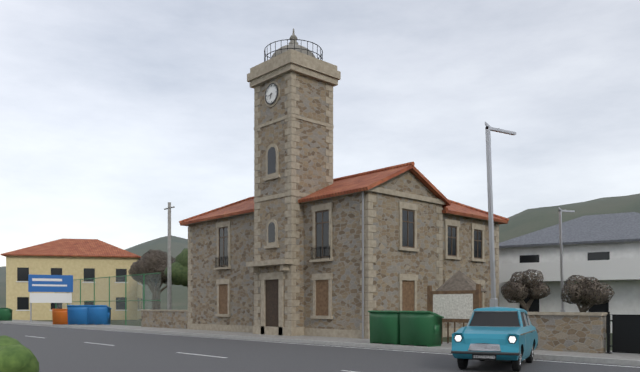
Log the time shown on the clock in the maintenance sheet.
6:42
